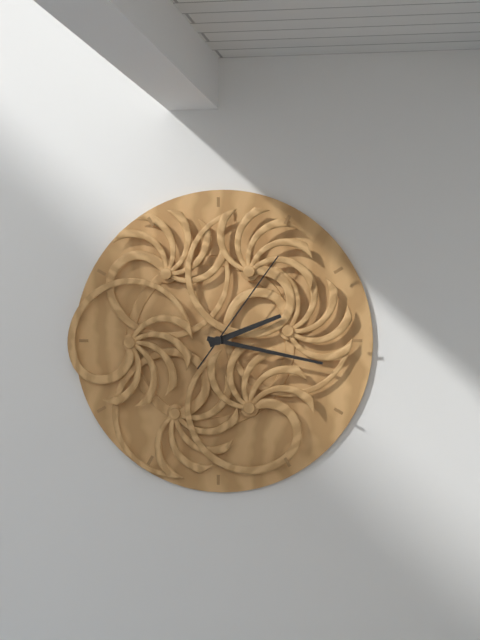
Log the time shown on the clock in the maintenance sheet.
2:17:06
